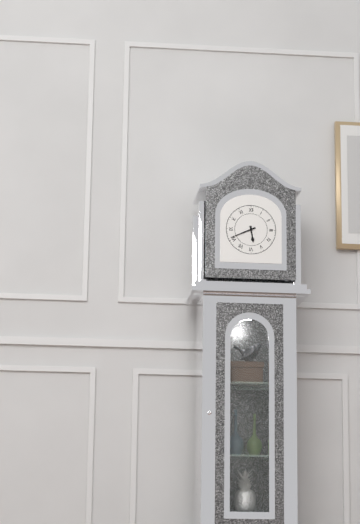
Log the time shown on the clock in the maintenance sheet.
5:41
